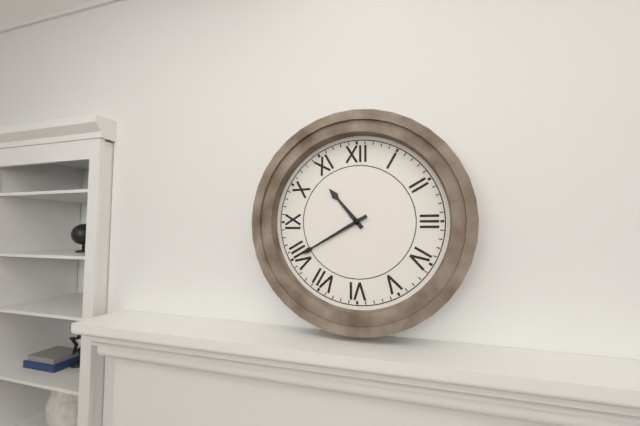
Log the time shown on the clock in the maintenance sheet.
10:40
